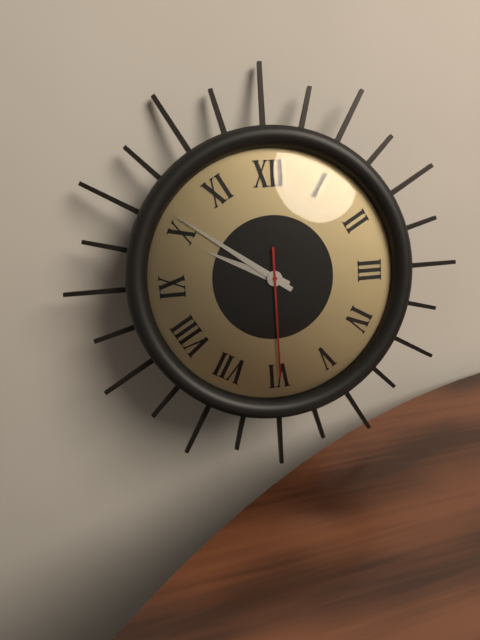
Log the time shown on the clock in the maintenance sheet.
9:51:30
